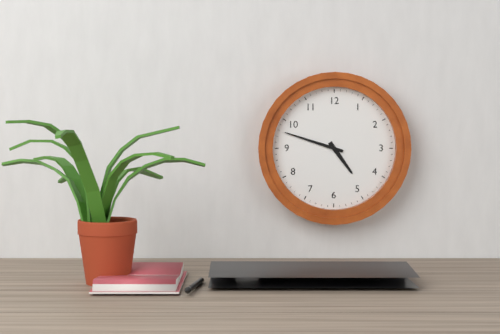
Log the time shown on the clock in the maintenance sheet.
4:48
